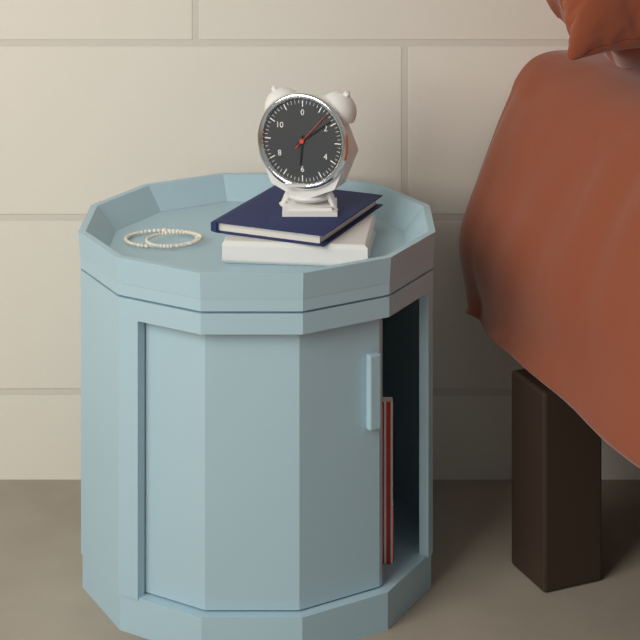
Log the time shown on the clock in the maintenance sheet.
6:09
